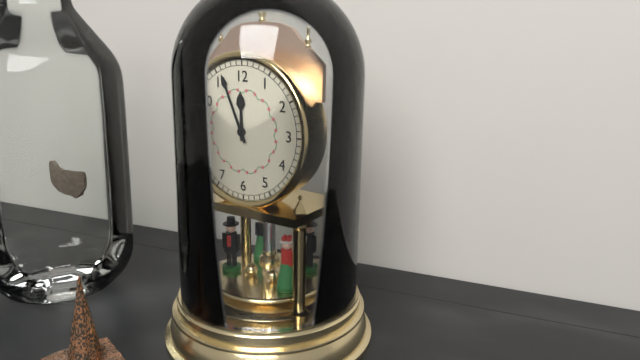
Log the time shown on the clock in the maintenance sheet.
11:56
